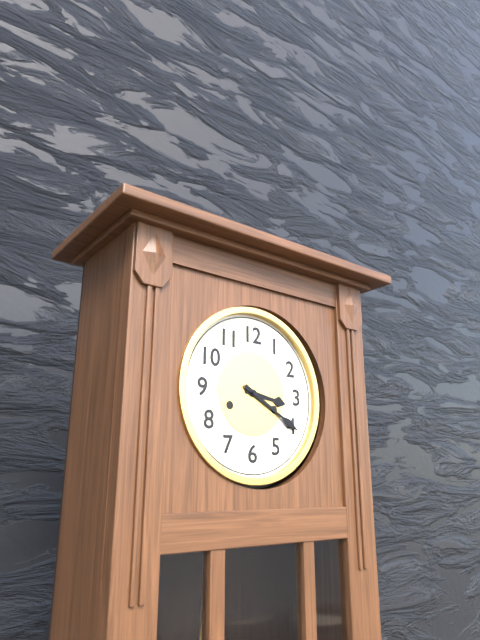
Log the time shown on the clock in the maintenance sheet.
3:20
